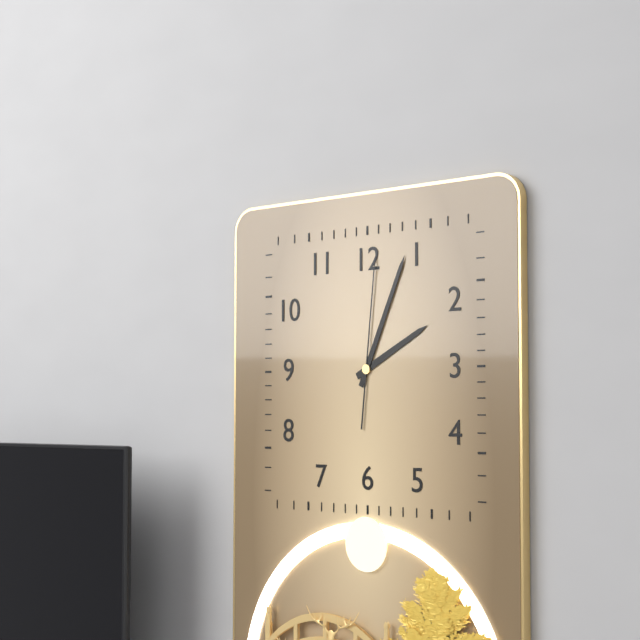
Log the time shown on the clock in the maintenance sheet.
2:04:01
